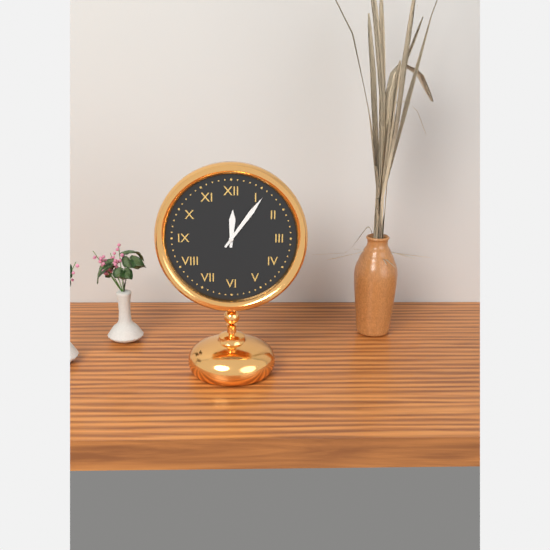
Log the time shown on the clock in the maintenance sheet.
12:06
